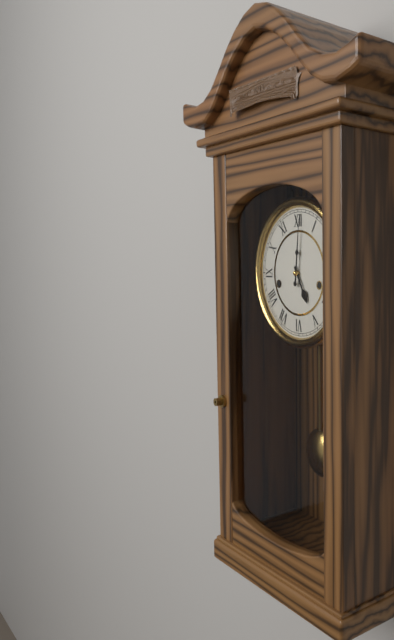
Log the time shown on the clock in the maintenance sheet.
5:01
